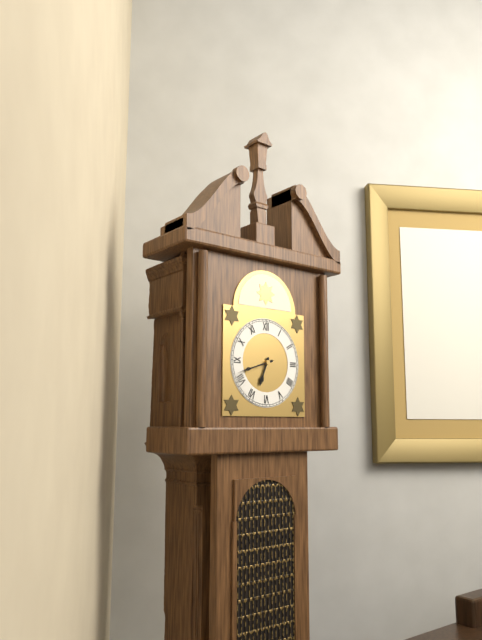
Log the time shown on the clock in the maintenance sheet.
6:42
